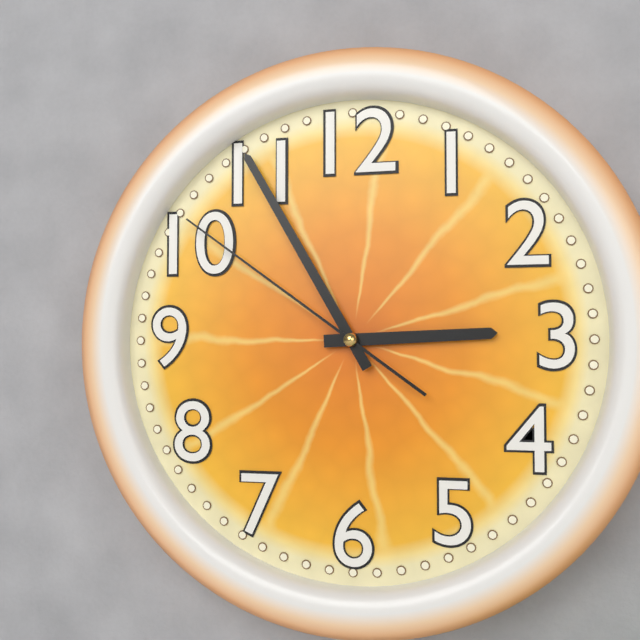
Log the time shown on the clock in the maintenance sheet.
2:55:51
